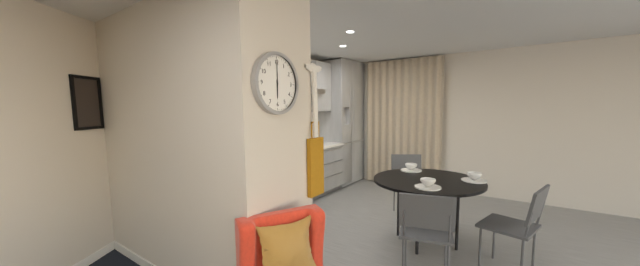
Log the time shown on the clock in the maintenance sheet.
6:00
